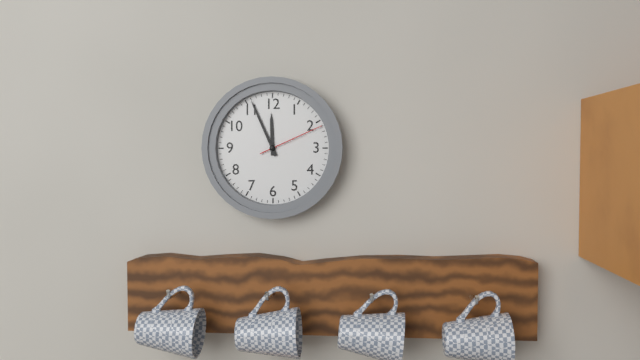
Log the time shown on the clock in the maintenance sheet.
11:56:11
